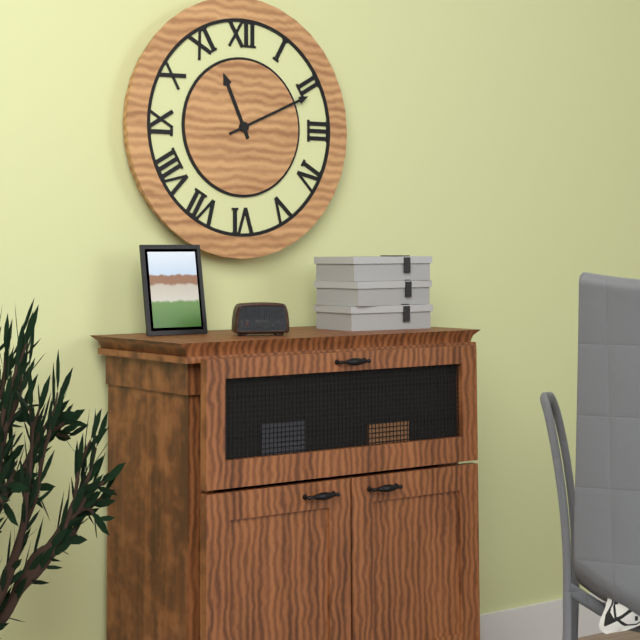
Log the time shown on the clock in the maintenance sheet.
11:11
